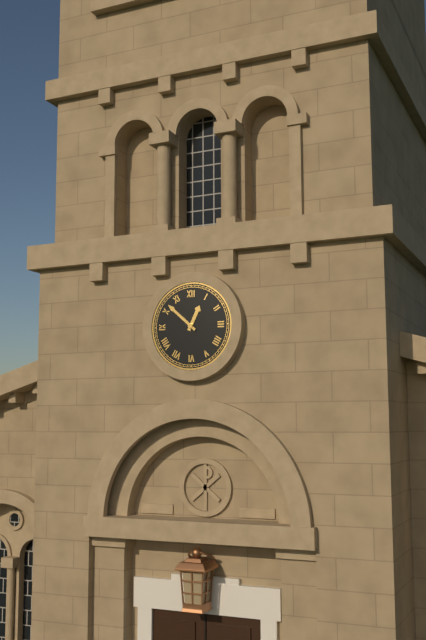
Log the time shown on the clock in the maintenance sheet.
12:52
